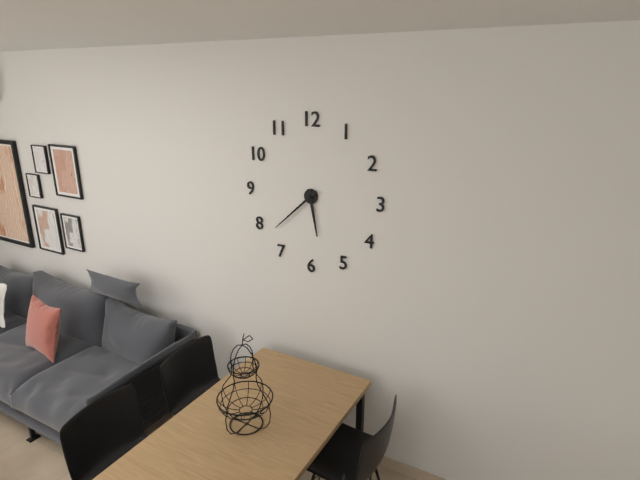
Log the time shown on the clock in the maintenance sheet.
5:38
